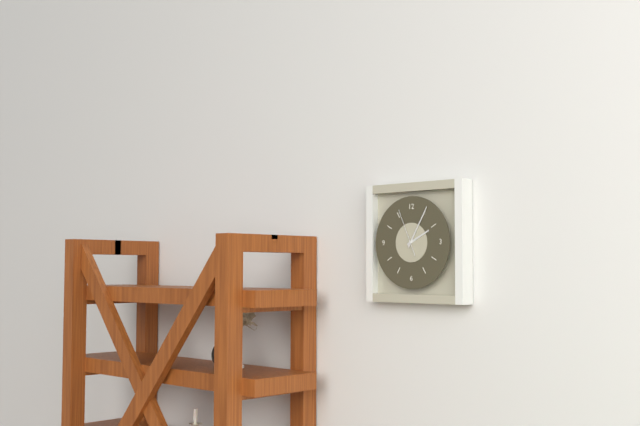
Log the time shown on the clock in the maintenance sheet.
2:05
